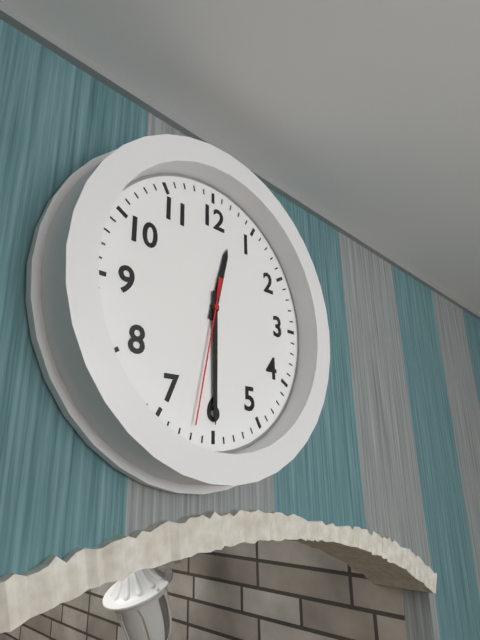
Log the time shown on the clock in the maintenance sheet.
12:30:32
